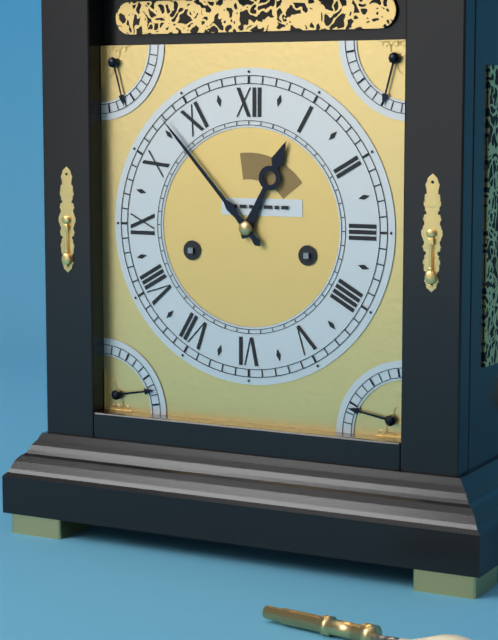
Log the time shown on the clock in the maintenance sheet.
12:53
